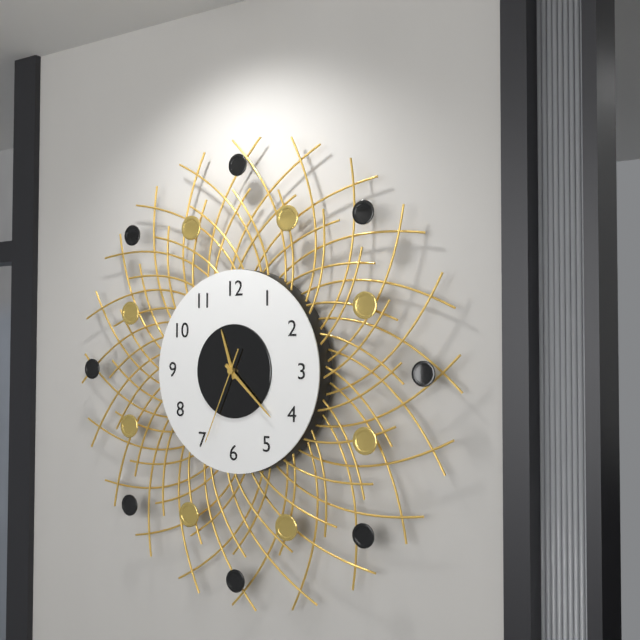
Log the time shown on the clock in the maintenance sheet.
11:22:34
